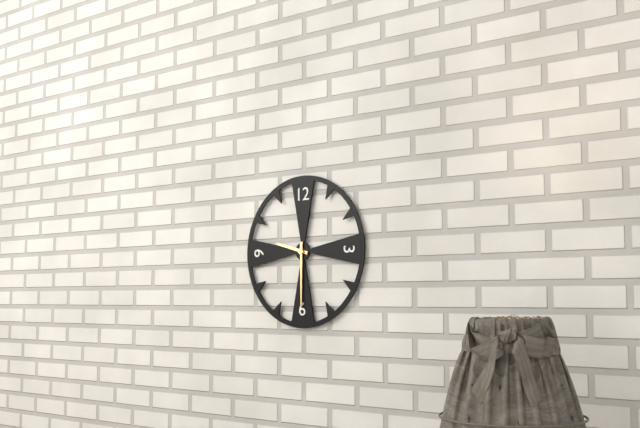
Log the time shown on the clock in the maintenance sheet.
9:30
